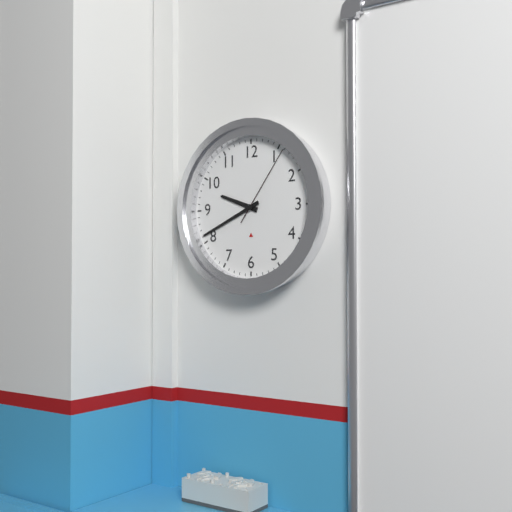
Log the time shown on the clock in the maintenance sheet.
9:41:06
